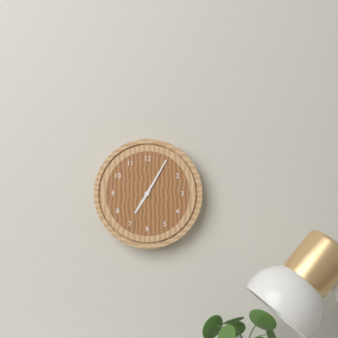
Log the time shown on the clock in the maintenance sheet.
7:05
